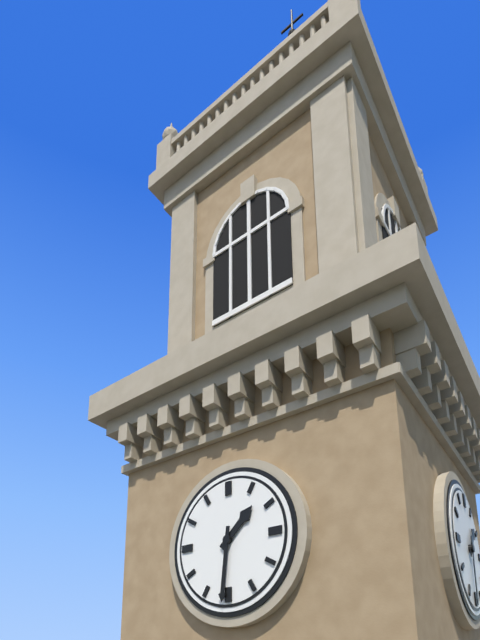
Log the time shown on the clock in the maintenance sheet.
1:31
